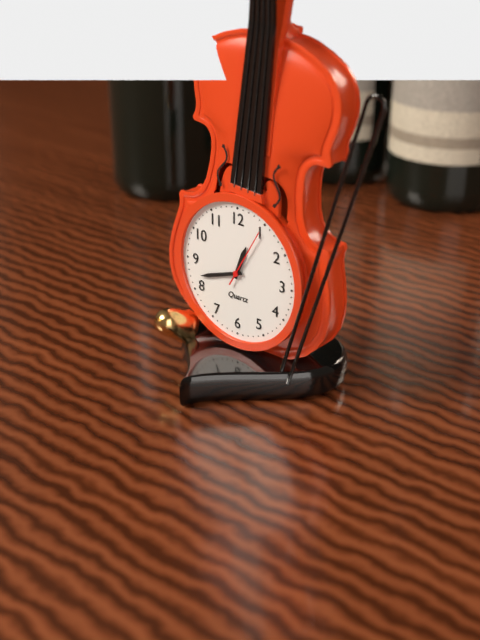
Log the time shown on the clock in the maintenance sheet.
12:42:05
